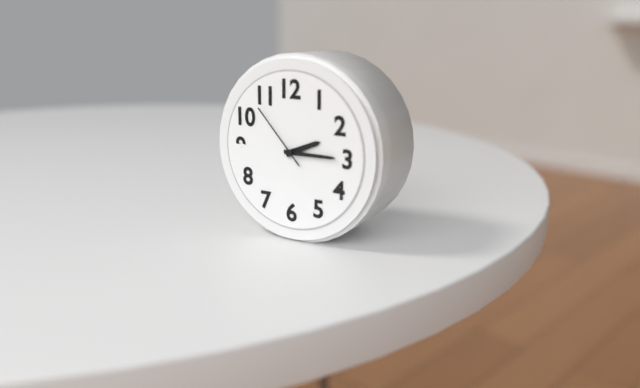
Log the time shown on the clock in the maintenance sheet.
2:15:53
